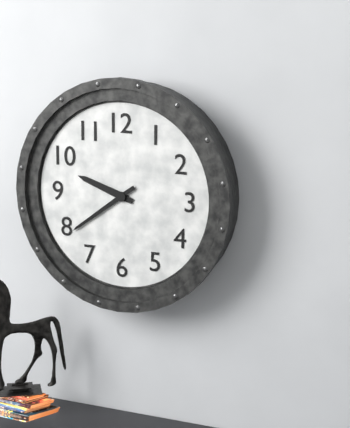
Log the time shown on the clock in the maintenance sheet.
9:39
